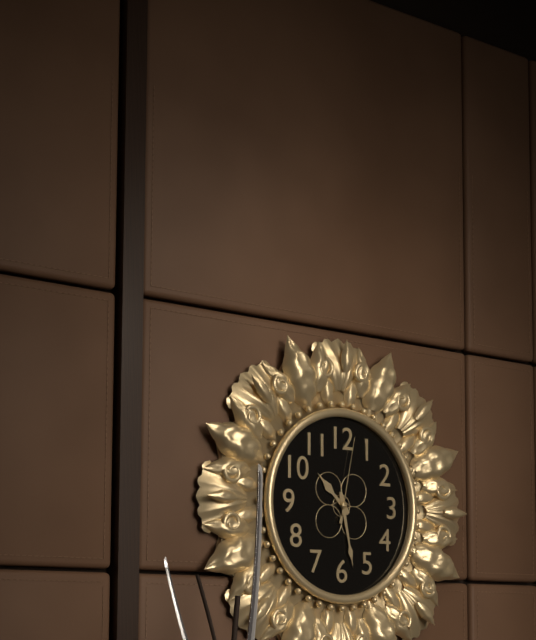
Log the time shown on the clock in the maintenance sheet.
10:28:02
